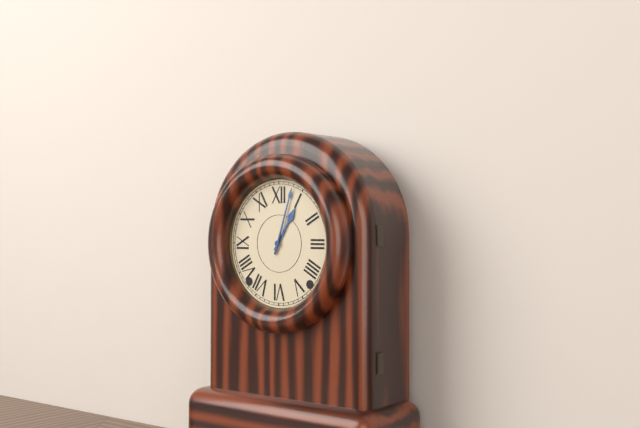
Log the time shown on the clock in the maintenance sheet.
1:03
